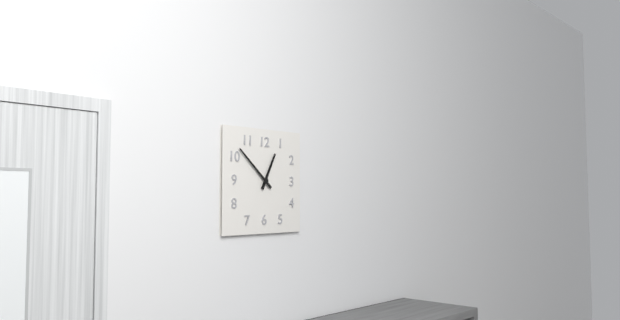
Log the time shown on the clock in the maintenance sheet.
12:52
